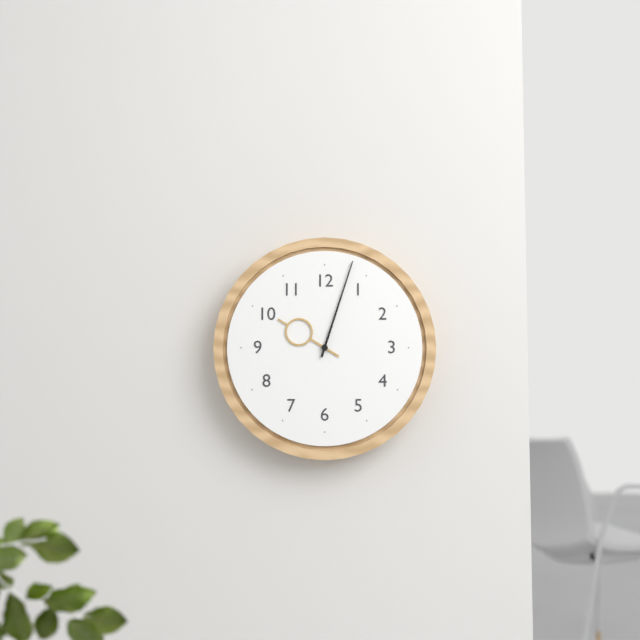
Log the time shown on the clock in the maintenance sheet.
10:03
